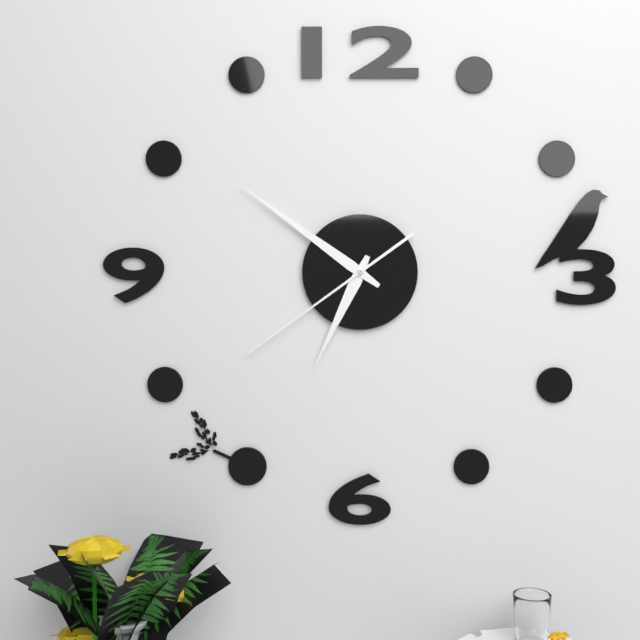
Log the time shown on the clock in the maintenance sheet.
6:51:39
